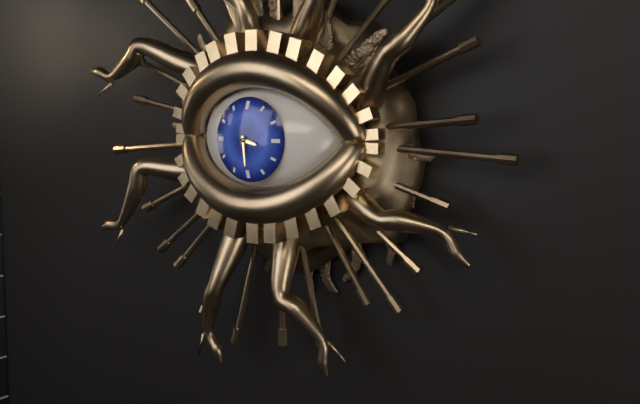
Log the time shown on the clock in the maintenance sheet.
3:29
